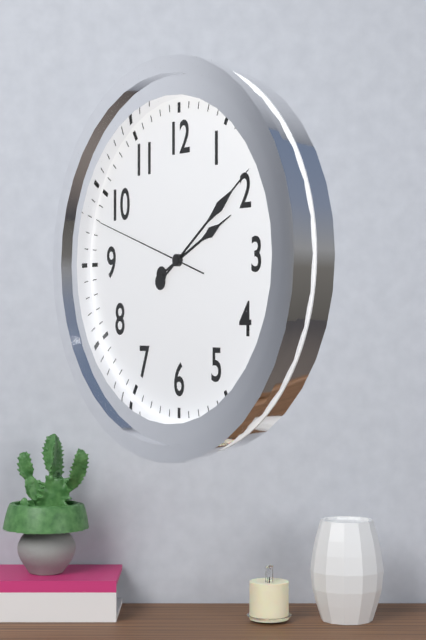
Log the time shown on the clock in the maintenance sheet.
2:09:48
